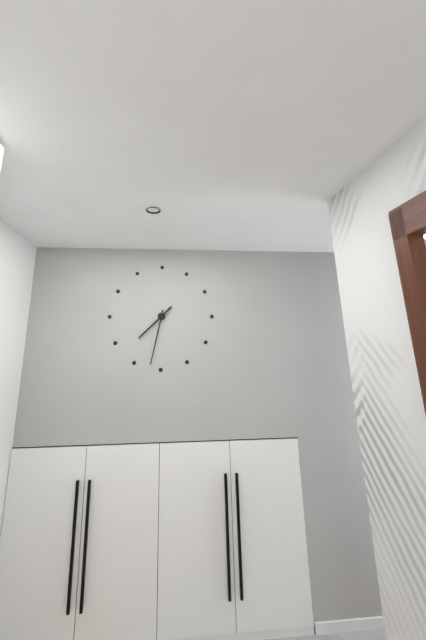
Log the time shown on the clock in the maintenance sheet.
7:32
